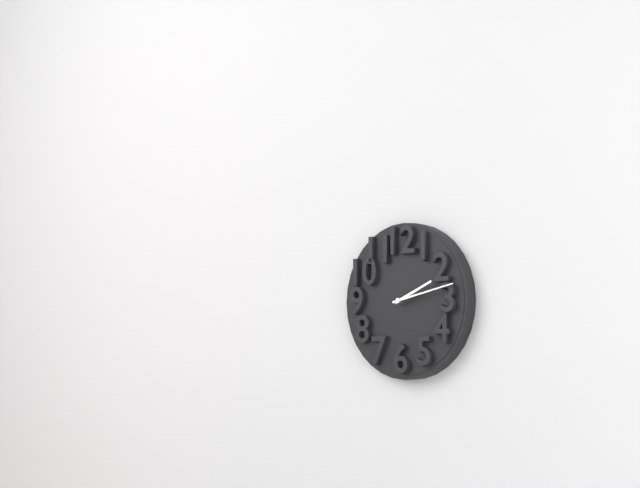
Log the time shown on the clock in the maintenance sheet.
2:13
